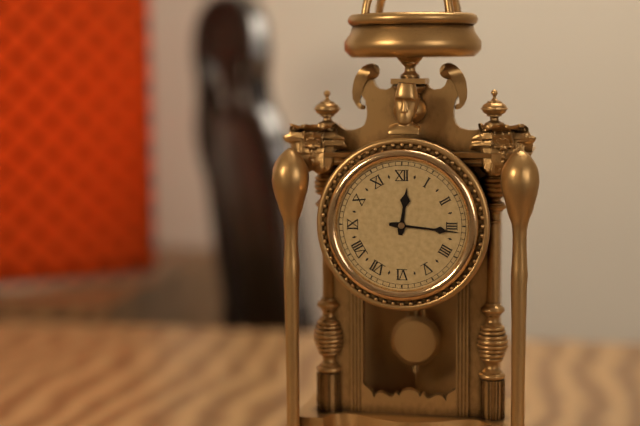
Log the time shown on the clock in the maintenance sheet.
12:16
